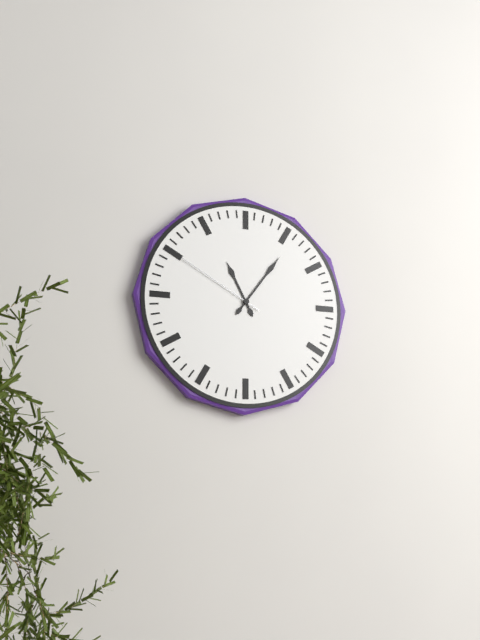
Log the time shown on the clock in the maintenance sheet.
11:06:50
